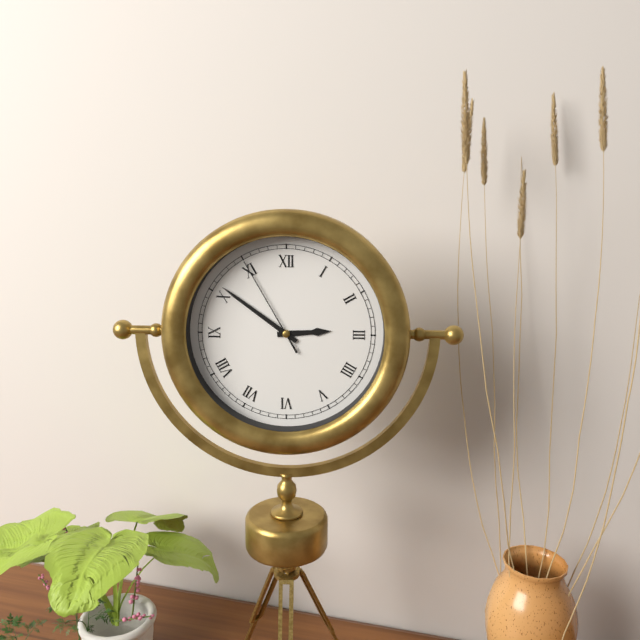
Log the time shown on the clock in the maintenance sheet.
2:51:55
